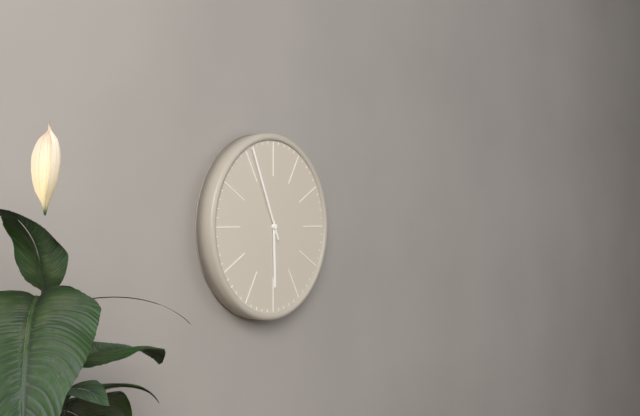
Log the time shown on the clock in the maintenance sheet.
5:56
